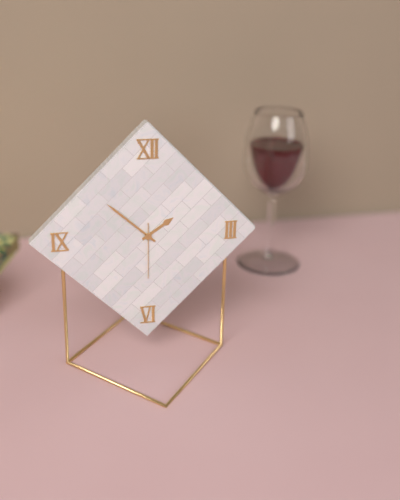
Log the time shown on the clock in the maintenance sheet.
1:52:30
